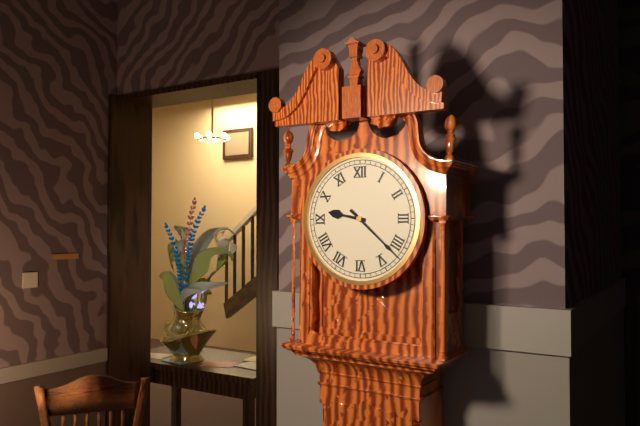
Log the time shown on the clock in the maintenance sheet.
9:22
